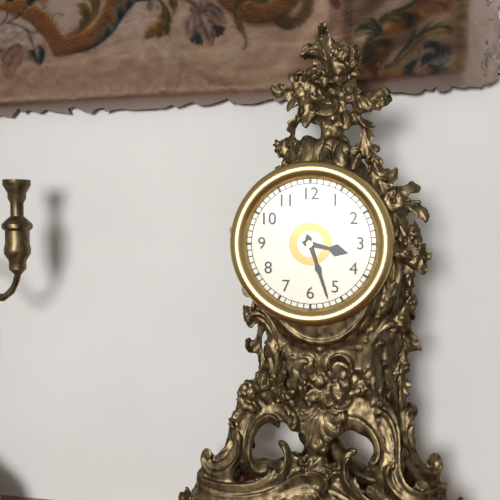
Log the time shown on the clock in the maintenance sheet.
3:27
